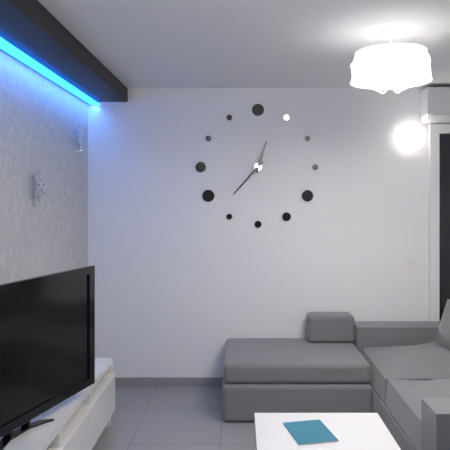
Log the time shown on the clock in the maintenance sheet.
12:37
